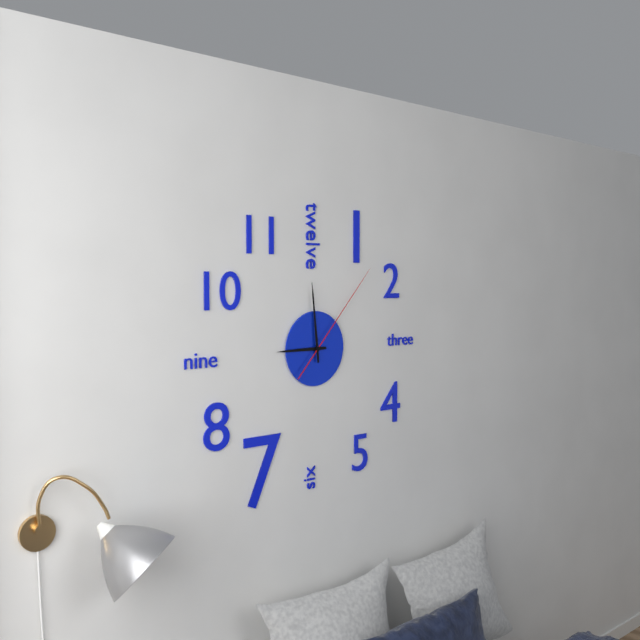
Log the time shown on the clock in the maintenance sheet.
8:59:07
